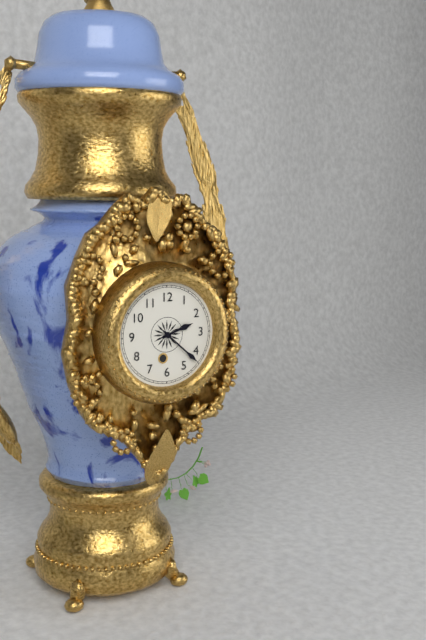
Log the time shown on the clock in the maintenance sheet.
2:22
